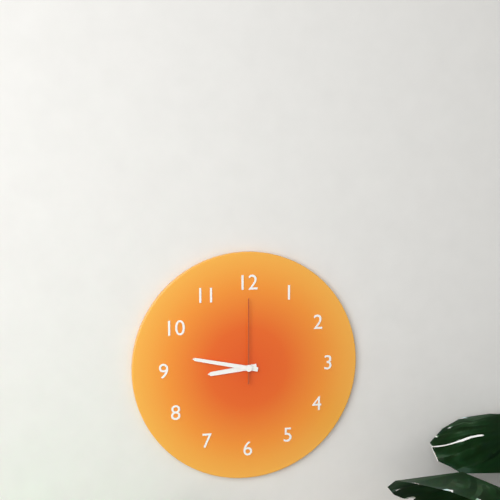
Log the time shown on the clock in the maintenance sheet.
8:47:00
